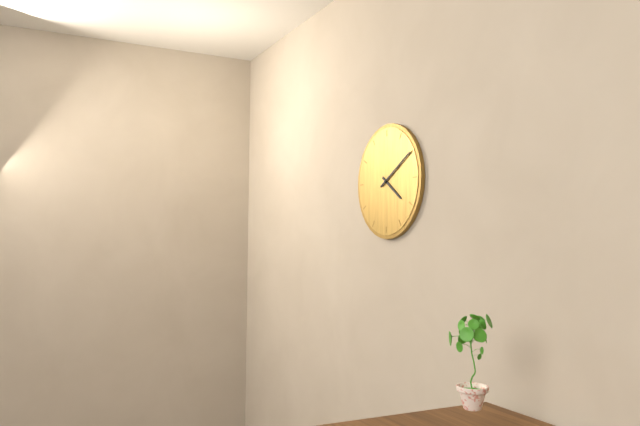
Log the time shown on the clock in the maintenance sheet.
4:10
